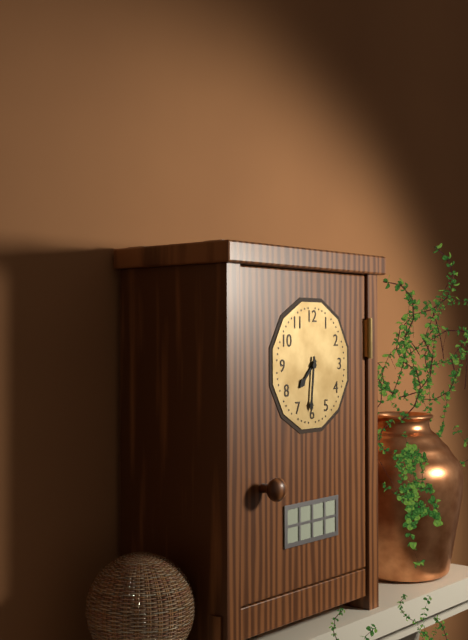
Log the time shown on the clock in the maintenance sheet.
7:31
